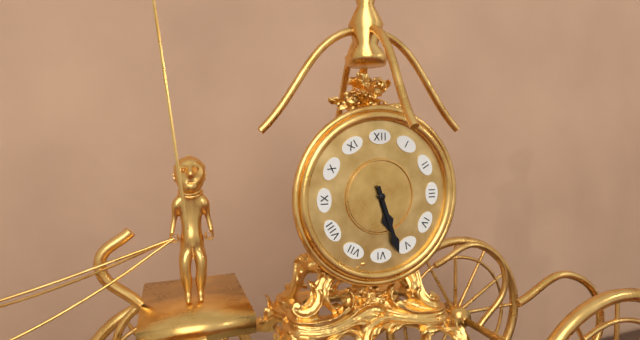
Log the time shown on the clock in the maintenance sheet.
5:27
